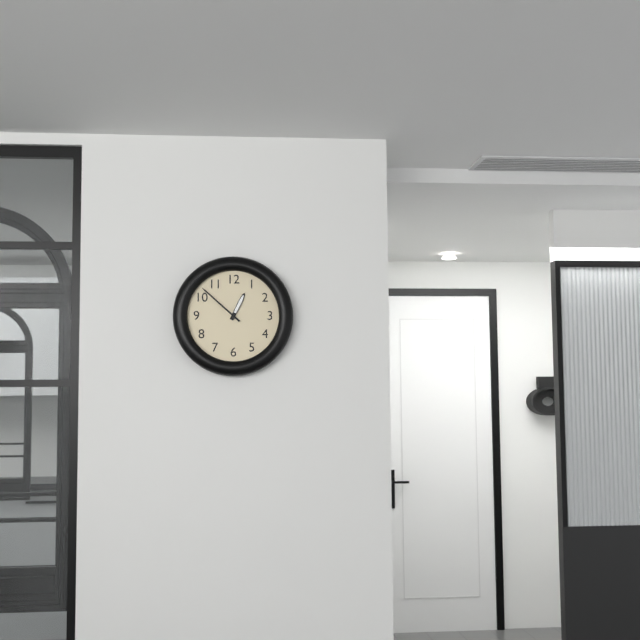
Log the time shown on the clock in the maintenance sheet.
12:52
